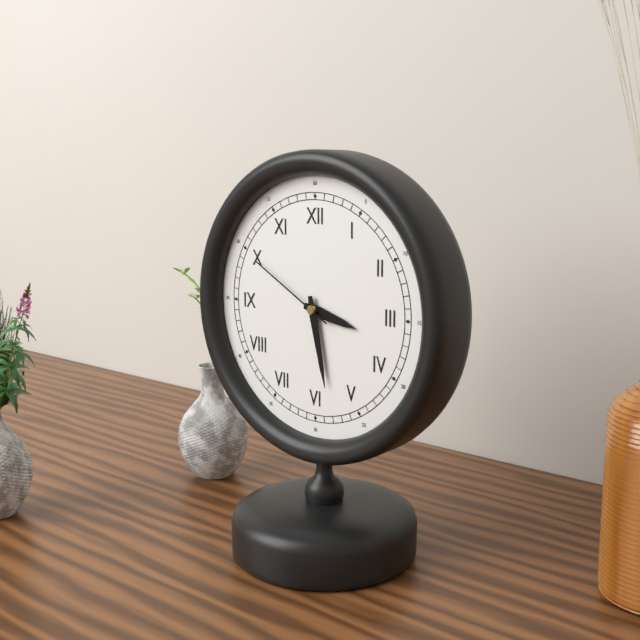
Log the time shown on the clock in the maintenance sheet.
3:28:50
